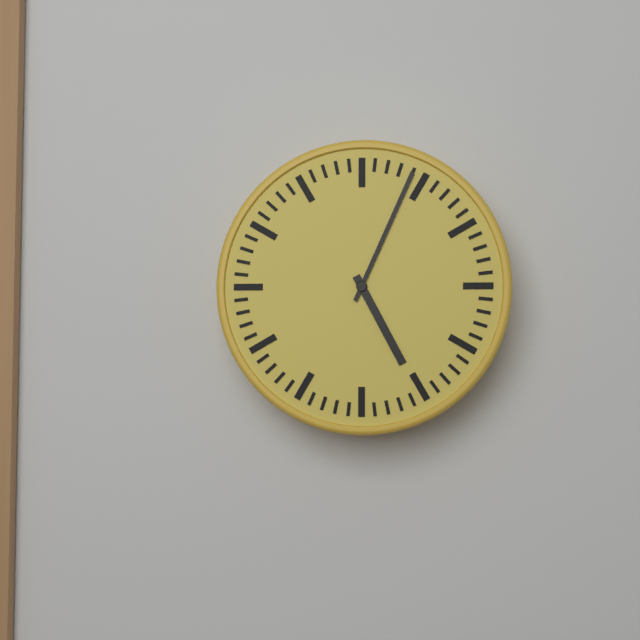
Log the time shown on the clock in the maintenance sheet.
5:04
